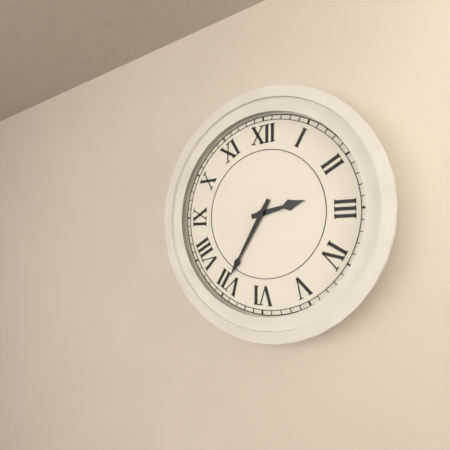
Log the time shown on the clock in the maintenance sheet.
2:35
